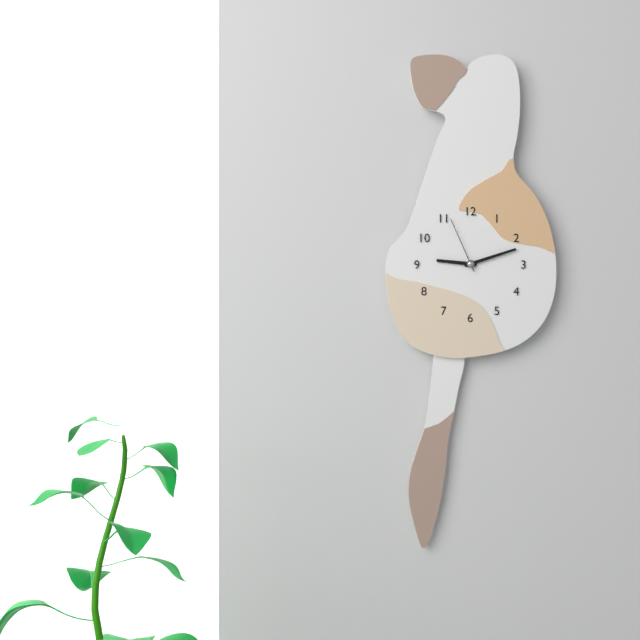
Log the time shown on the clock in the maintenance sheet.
9:12:56
